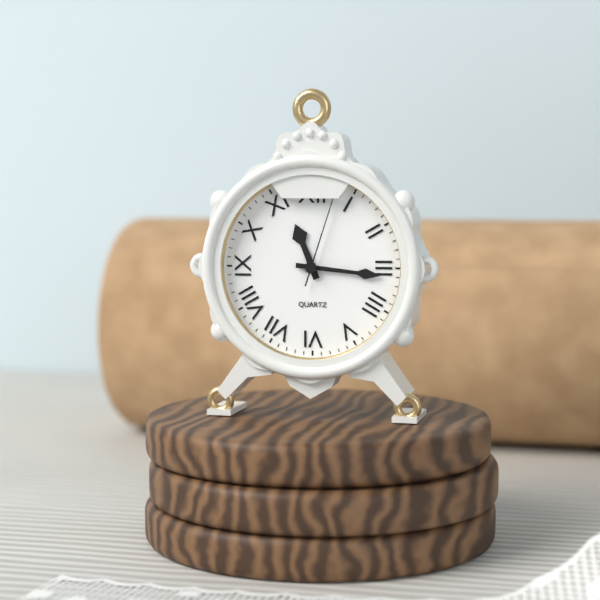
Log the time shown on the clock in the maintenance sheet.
11:16:03
